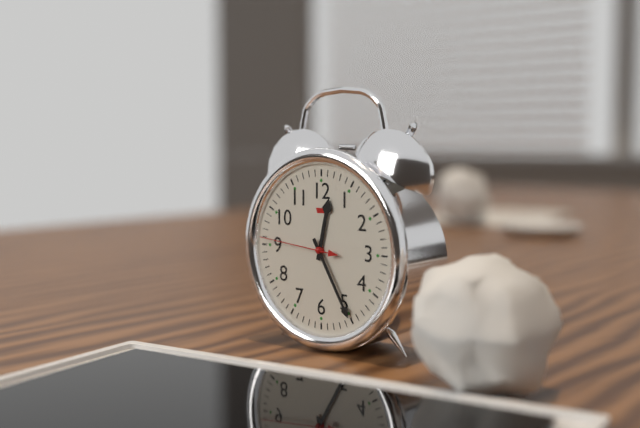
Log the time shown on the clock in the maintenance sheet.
12:25:46
